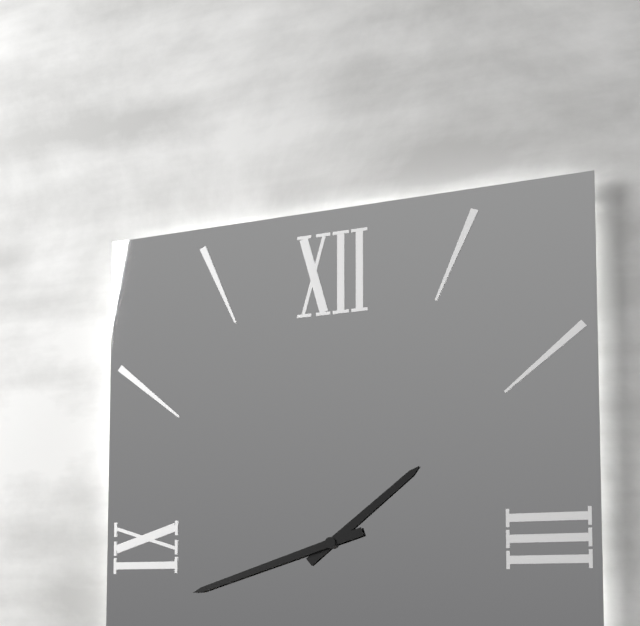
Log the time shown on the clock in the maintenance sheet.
1:42
